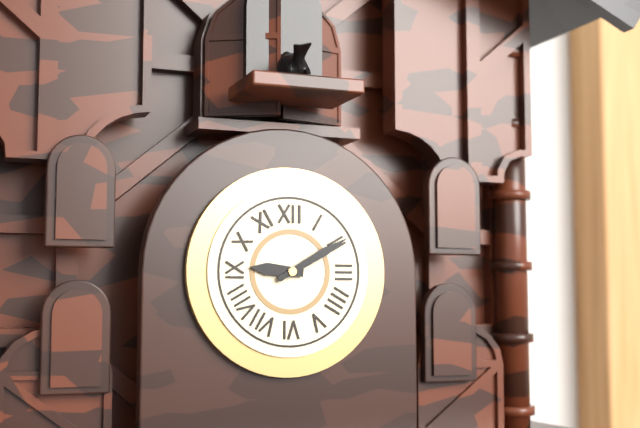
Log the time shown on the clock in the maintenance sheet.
9:10
